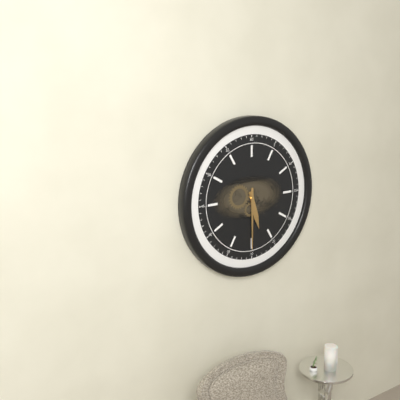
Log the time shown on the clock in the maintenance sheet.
5:30
